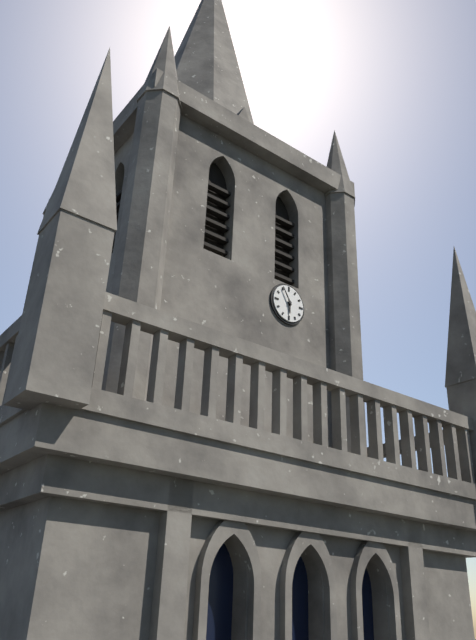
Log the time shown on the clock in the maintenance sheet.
5:55
